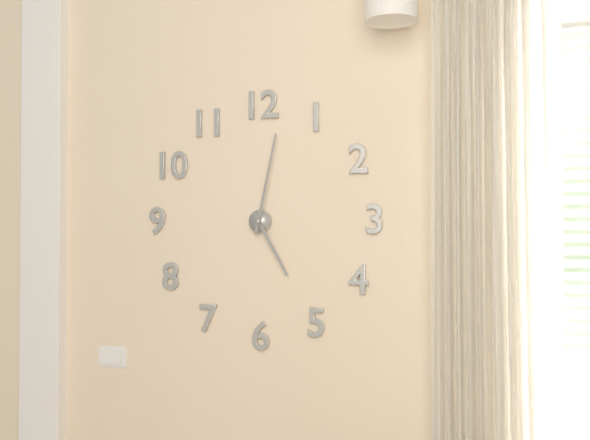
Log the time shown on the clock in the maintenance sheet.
5:02
